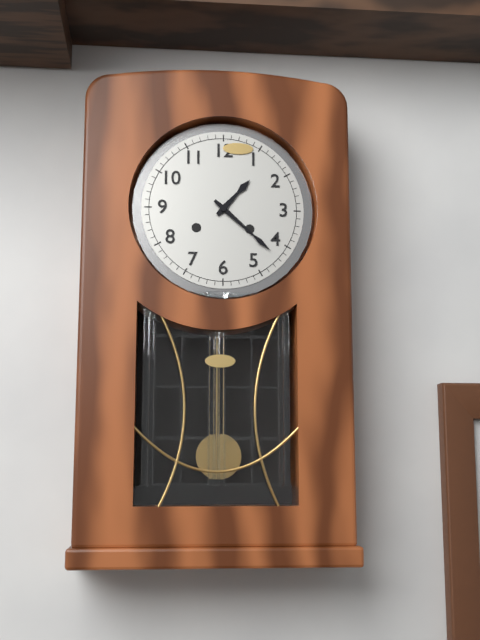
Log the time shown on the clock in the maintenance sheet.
1:22
